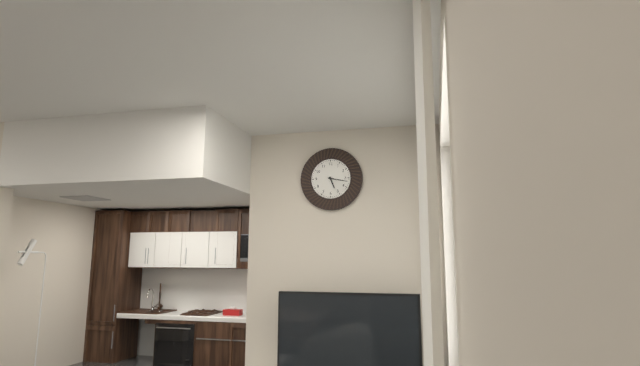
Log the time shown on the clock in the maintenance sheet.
5:17
